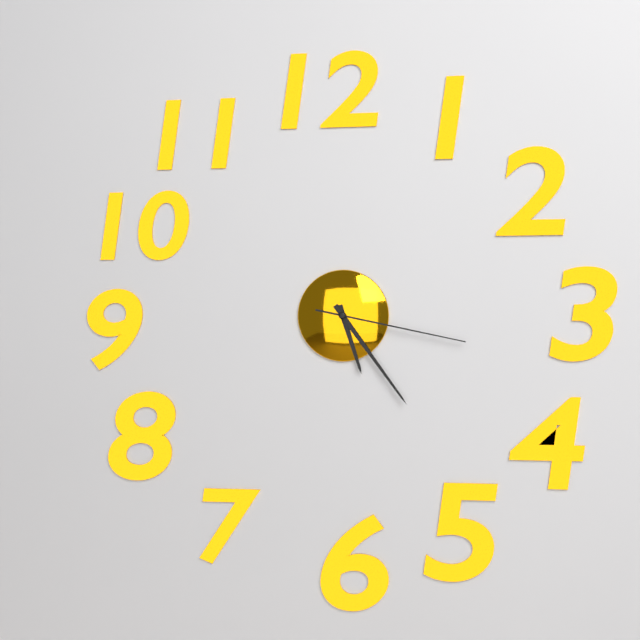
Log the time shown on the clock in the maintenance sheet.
5:24:17
